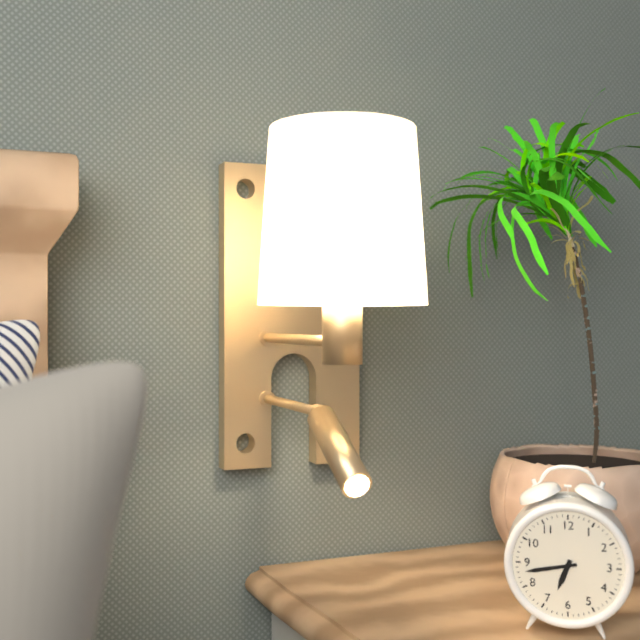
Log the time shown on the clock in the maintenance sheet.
6:43
